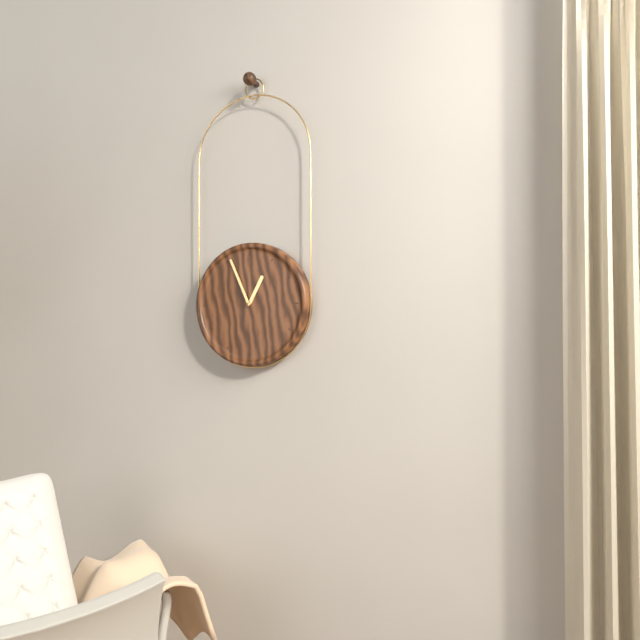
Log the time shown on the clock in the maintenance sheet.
12:56
